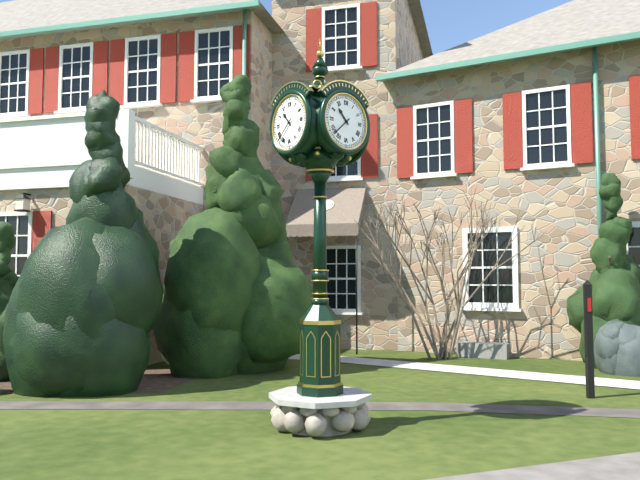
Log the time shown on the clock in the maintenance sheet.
10:38
